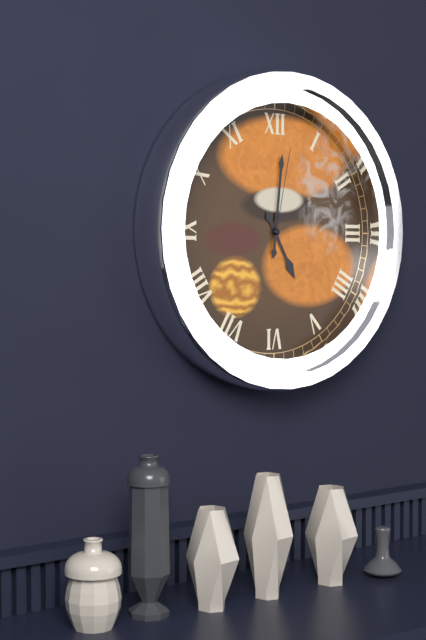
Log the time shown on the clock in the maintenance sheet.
5:01:02
